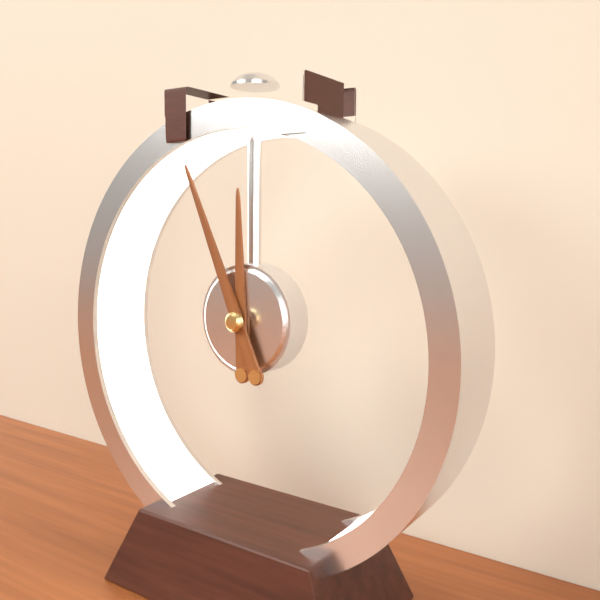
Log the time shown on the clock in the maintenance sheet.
11:56
